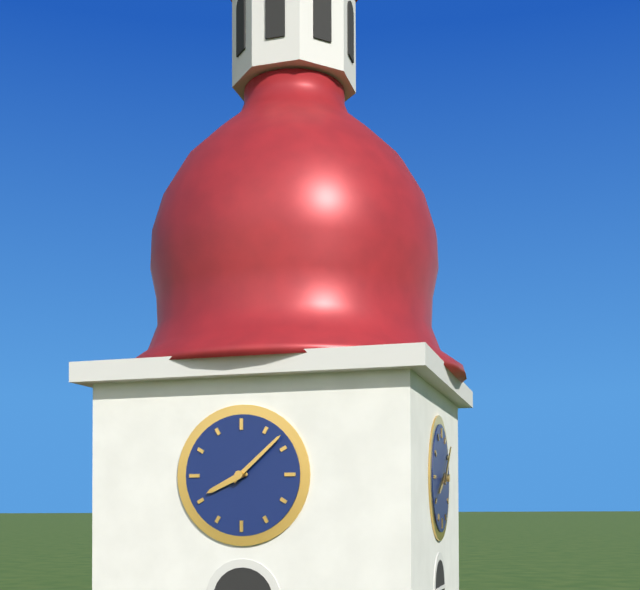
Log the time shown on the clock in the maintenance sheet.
8:08
